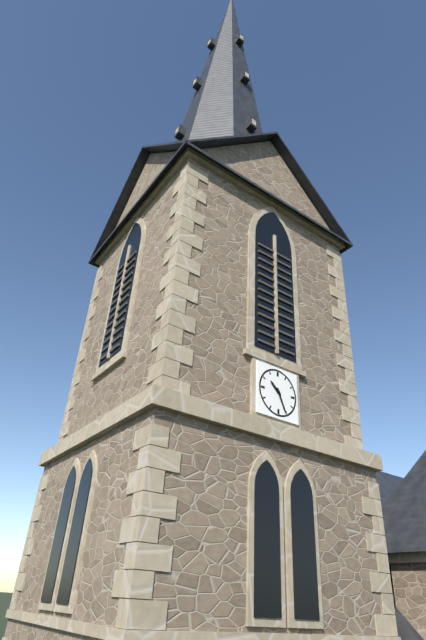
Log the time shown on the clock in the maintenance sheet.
10:26
